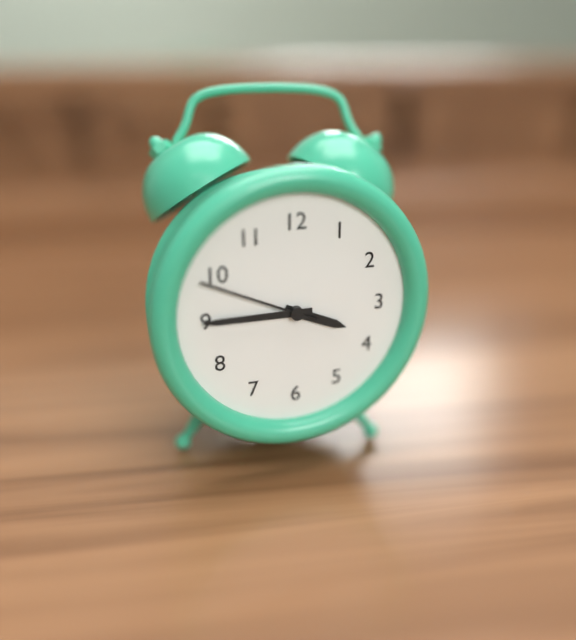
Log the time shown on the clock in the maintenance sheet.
3:45:49
